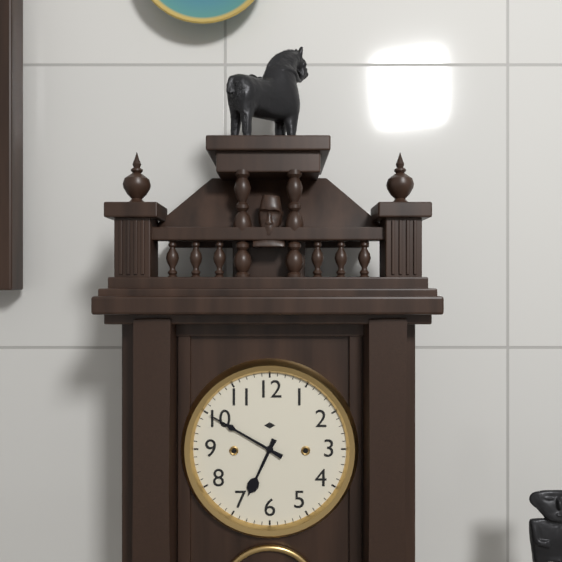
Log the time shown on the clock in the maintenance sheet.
6:50
